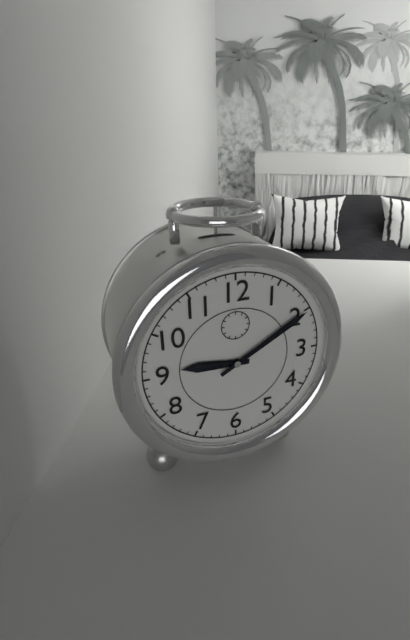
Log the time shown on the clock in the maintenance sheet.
9:10
